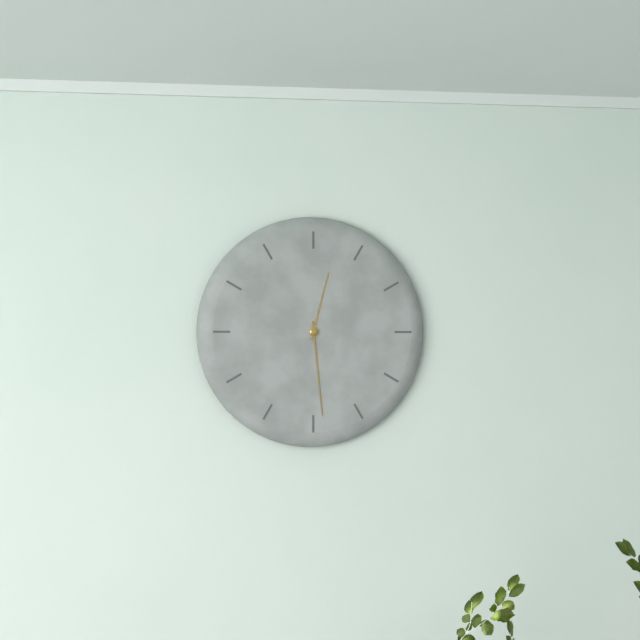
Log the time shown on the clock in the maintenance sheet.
12:29
